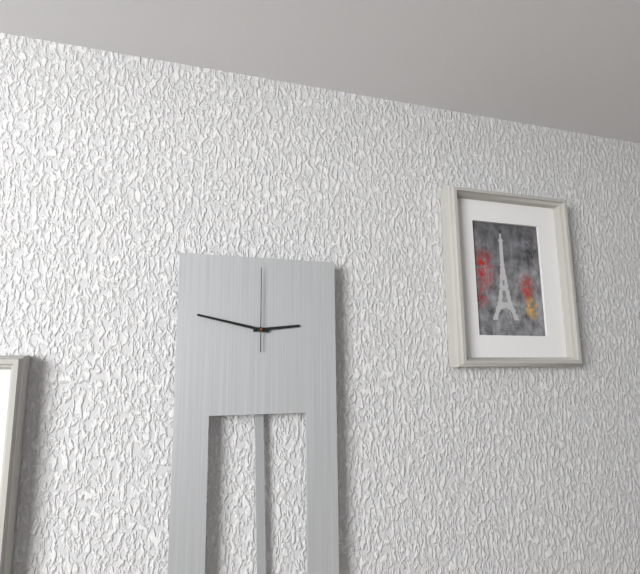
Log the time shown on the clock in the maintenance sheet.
2:47:00
